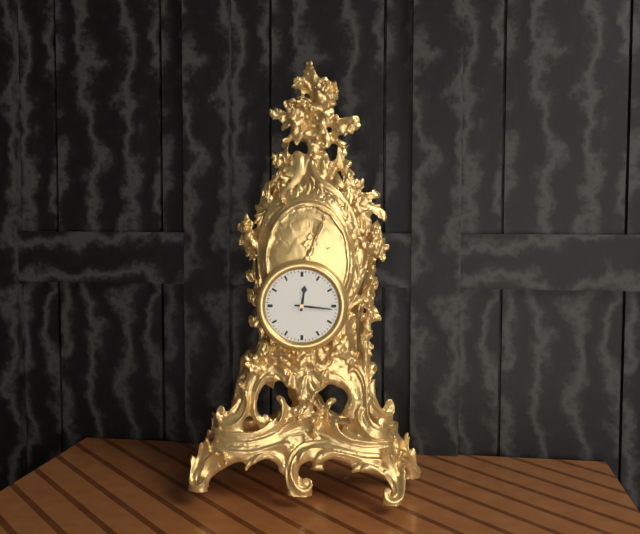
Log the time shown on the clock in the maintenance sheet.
12:16
